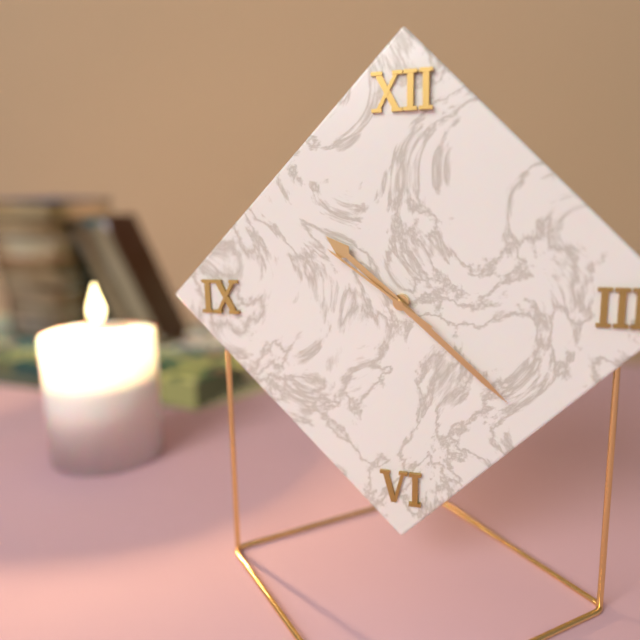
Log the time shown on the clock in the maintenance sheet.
10:22:51
